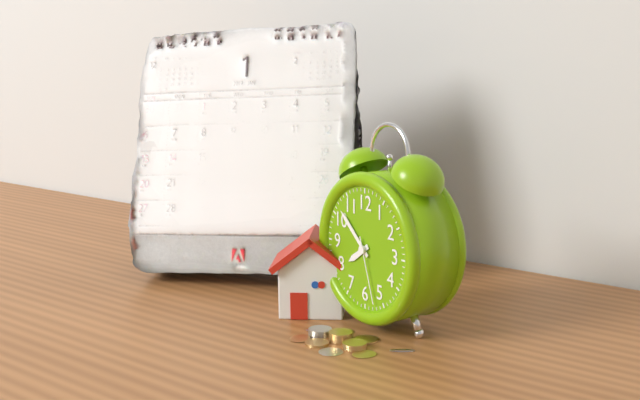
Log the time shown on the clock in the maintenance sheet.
7:52:27
